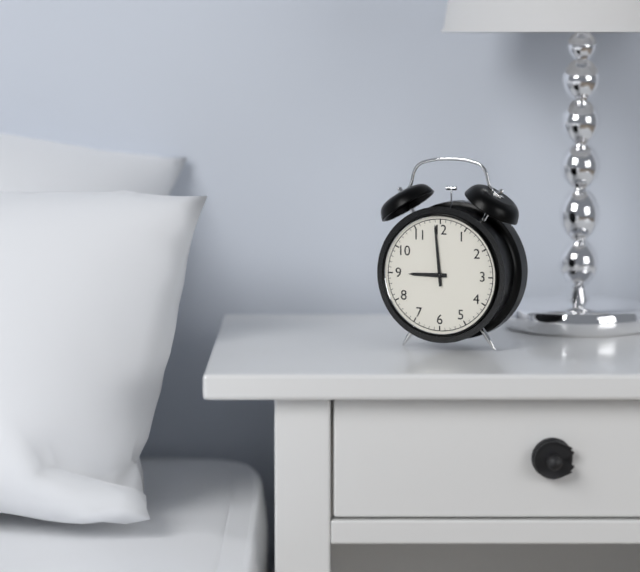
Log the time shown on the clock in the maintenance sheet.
8:59
